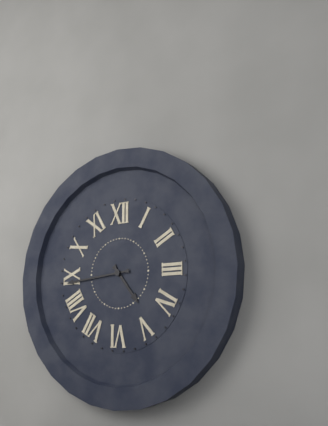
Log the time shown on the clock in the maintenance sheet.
4:44
